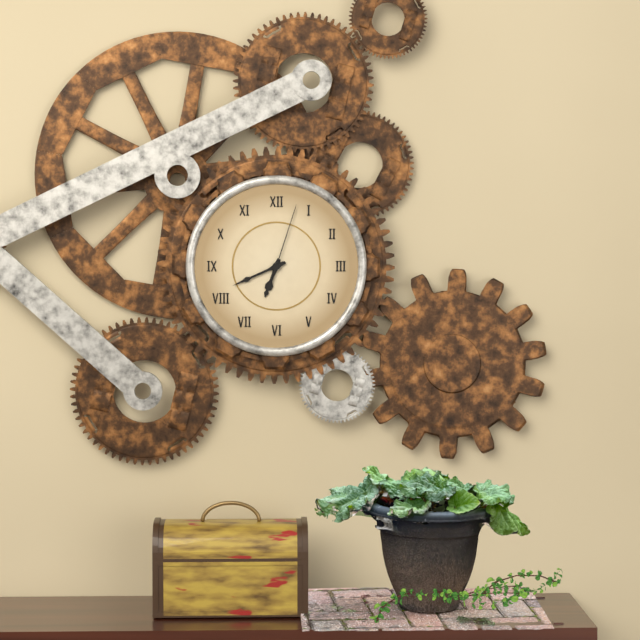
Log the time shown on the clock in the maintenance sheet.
6:41:03
